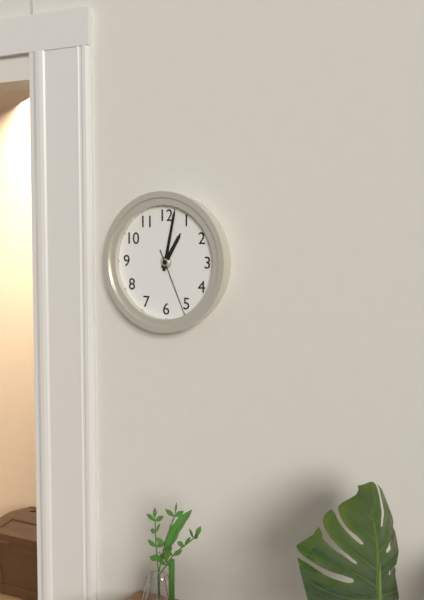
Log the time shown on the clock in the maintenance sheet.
1:02:26
